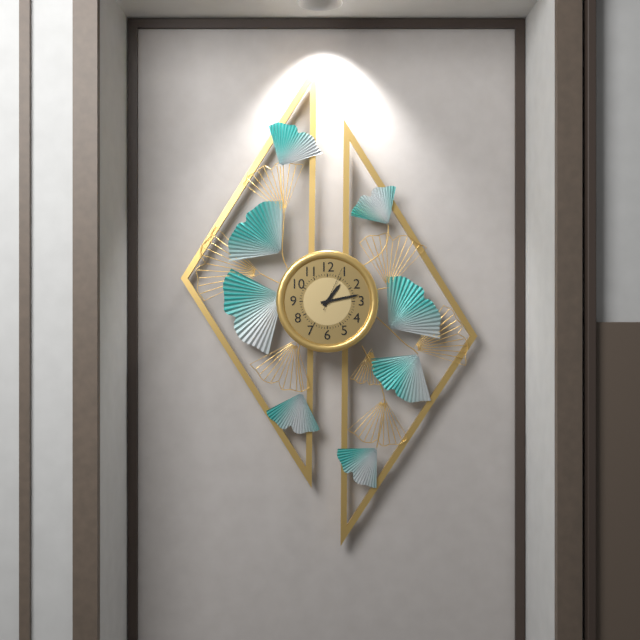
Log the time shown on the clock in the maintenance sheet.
1:13
